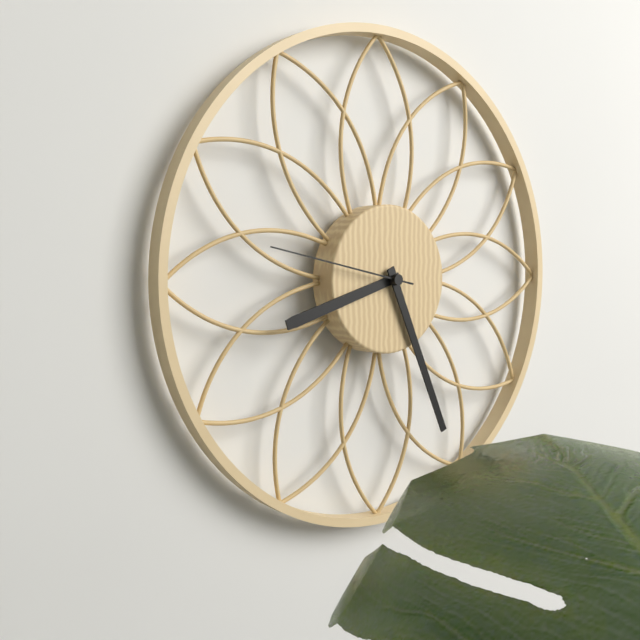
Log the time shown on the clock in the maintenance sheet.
8:26:47
